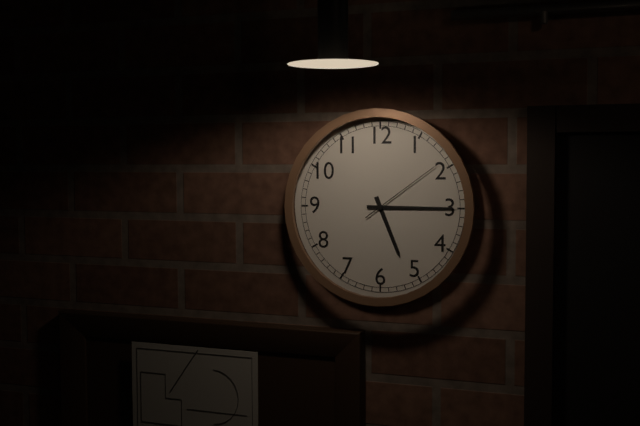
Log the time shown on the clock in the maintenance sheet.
5:15:09
